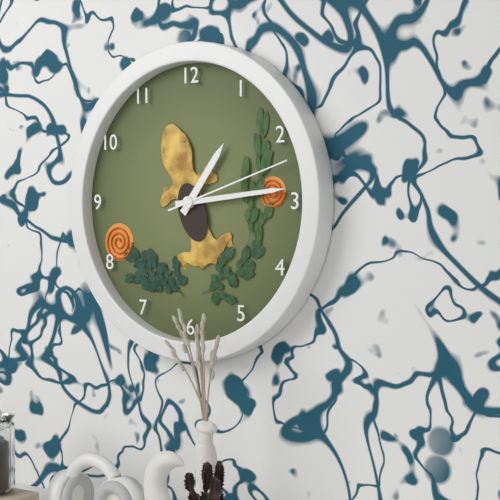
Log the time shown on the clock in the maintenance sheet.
1:14:12
